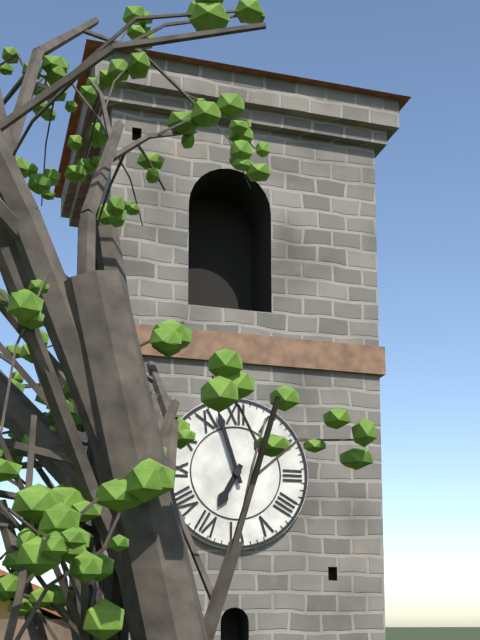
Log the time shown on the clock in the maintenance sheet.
6:57
